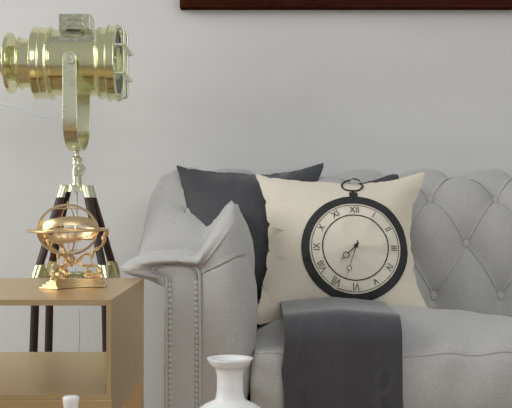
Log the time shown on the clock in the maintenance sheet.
7:33
